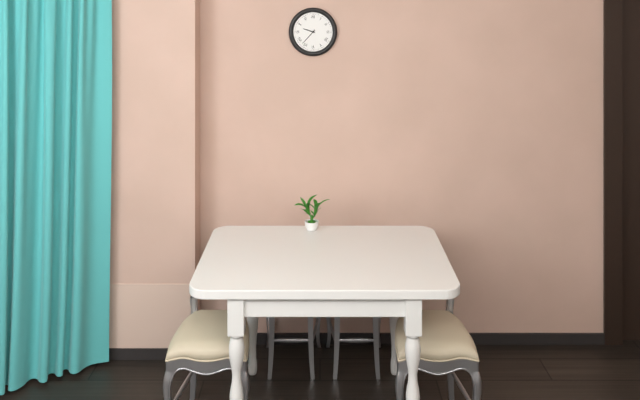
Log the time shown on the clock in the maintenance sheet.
9:37
